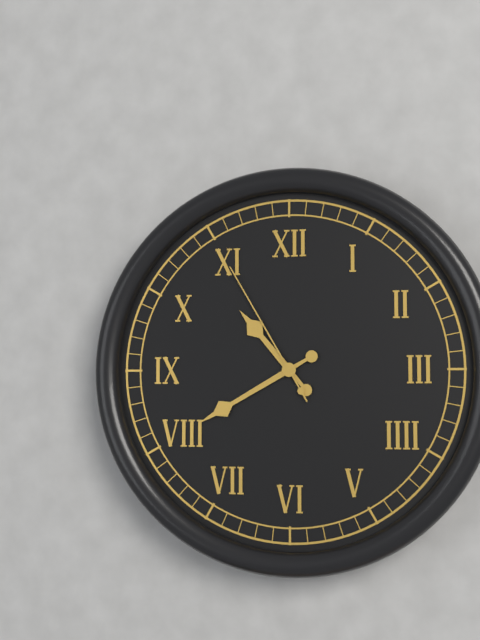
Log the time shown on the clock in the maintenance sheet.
10:40:55
